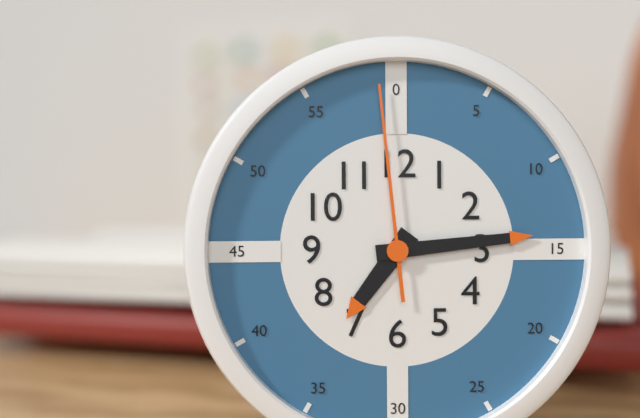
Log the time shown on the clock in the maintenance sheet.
7:14:59
